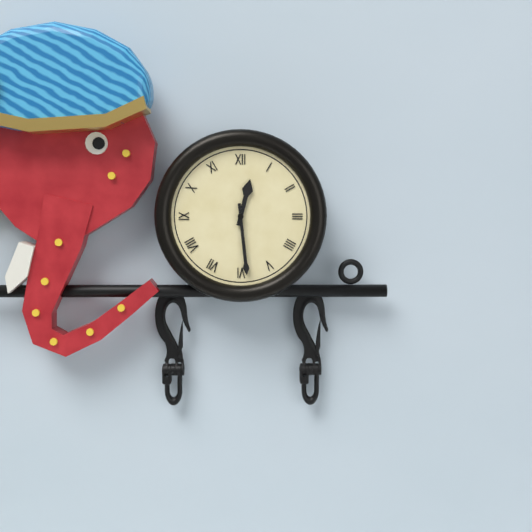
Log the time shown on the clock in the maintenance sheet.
12:29
